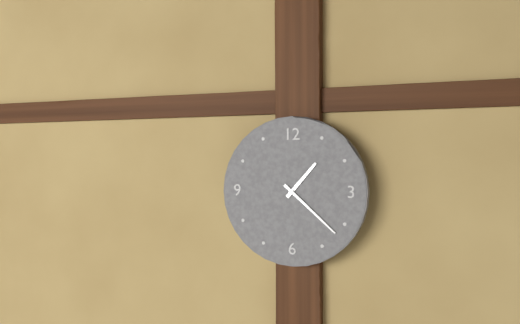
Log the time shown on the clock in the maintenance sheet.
1:22
